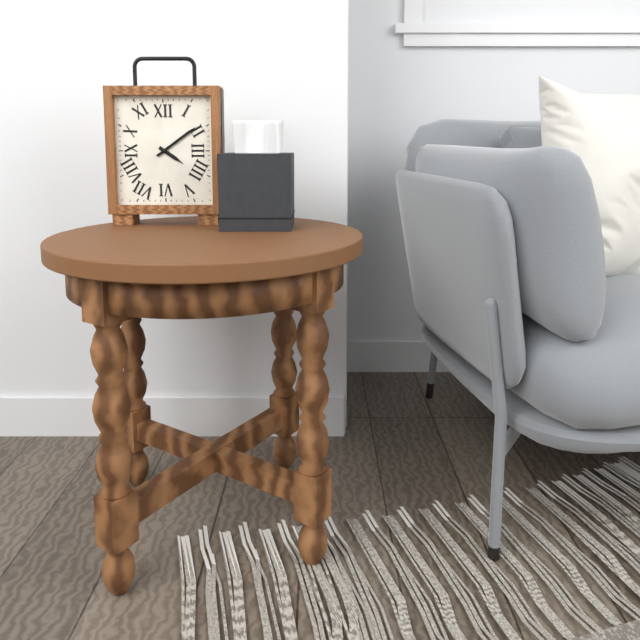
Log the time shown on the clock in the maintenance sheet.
4:09
